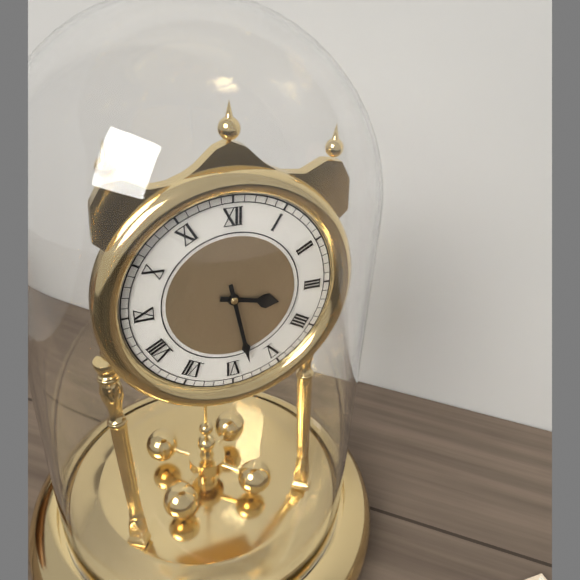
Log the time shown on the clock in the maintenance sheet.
3:28
